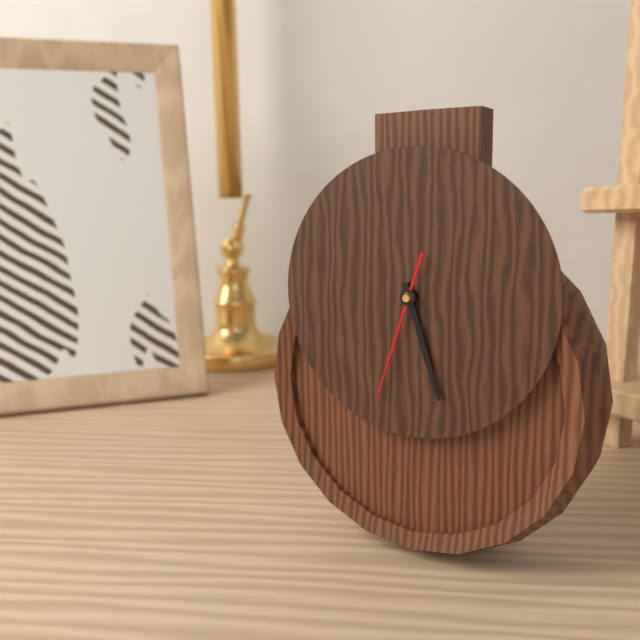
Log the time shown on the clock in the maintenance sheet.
5:27:33
